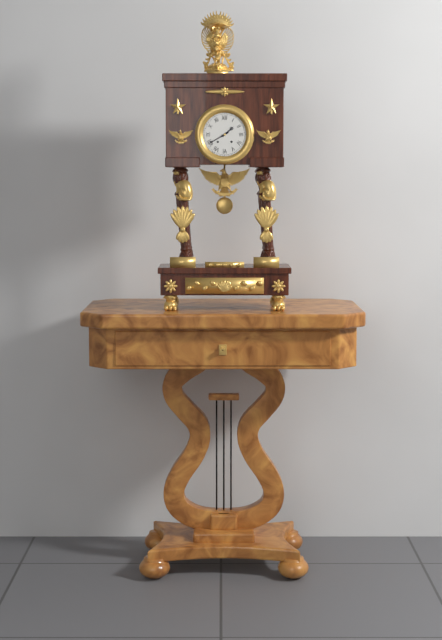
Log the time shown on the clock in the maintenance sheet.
1:40
